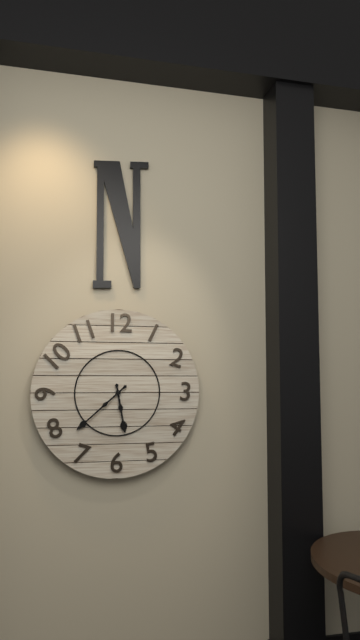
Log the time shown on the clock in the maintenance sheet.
5:38
